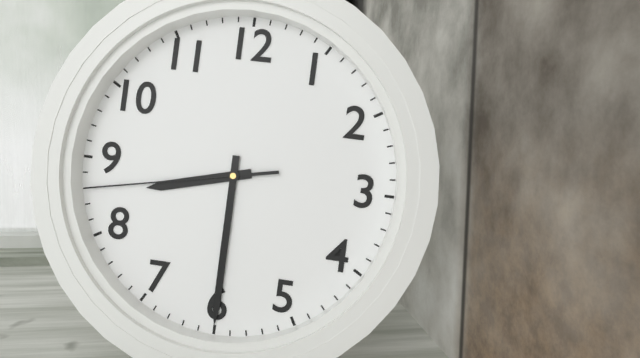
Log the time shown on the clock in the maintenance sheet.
8:30:43
